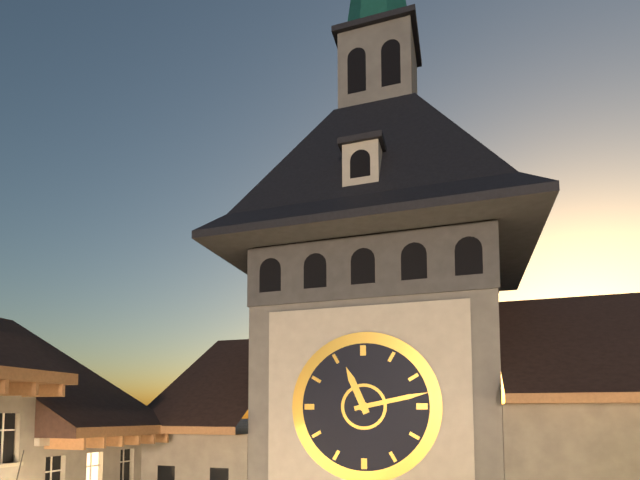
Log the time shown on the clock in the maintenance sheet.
11:13
